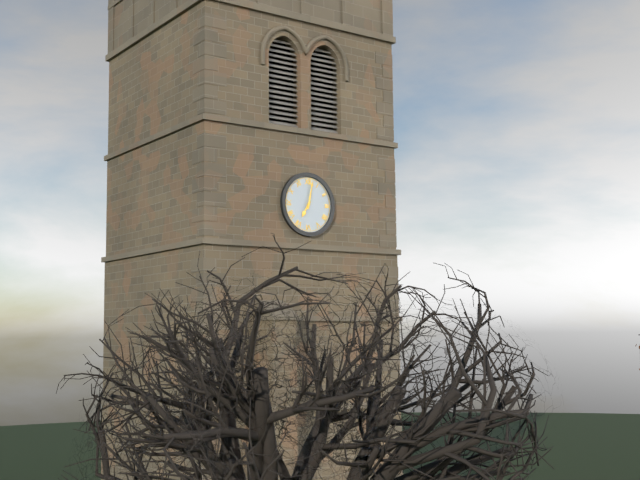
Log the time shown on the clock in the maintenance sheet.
7:02
